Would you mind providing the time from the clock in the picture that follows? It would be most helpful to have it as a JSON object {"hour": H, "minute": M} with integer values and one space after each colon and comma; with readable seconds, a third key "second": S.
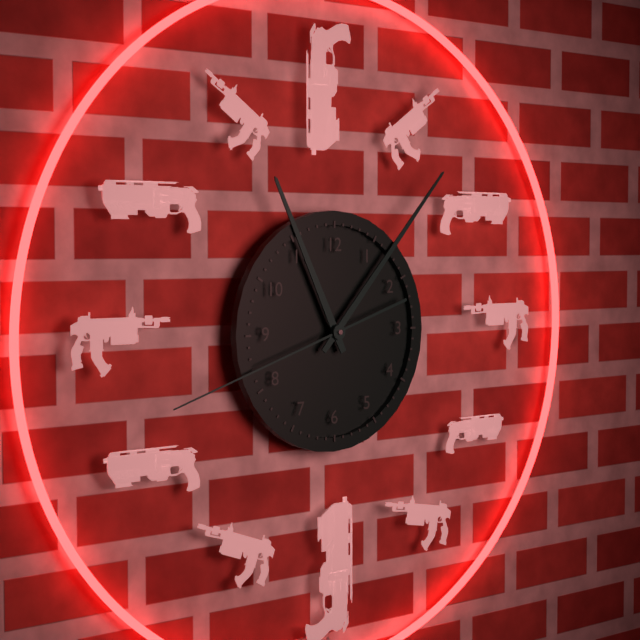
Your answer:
{"hour": 11, "minute": 7, "second": 42}
